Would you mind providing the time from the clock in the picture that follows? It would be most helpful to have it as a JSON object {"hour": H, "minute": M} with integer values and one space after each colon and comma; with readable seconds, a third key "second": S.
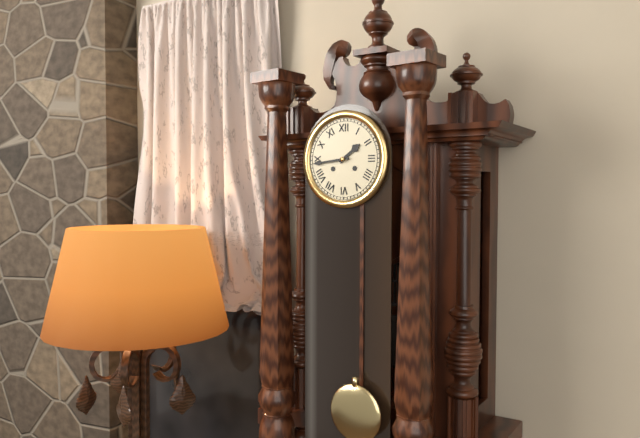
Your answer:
{"hour": 1, "minute": 44}
